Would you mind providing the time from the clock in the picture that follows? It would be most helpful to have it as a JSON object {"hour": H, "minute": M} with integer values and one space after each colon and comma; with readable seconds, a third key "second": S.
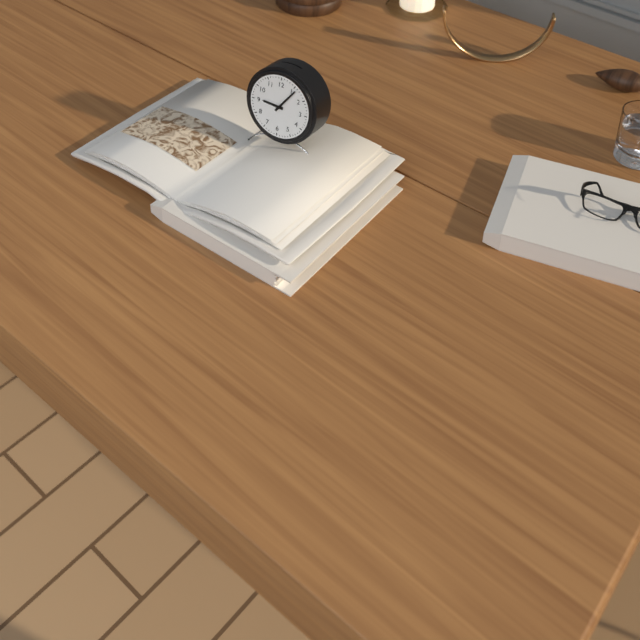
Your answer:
{"hour": 9, "minute": 6}
